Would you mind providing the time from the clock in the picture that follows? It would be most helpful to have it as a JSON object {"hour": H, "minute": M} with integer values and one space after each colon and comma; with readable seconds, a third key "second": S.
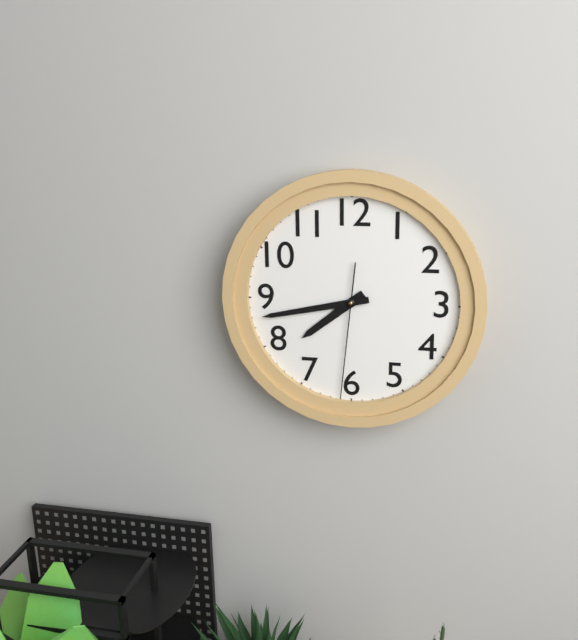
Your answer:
{"hour": 7, "minute": 43, "second": 31}
